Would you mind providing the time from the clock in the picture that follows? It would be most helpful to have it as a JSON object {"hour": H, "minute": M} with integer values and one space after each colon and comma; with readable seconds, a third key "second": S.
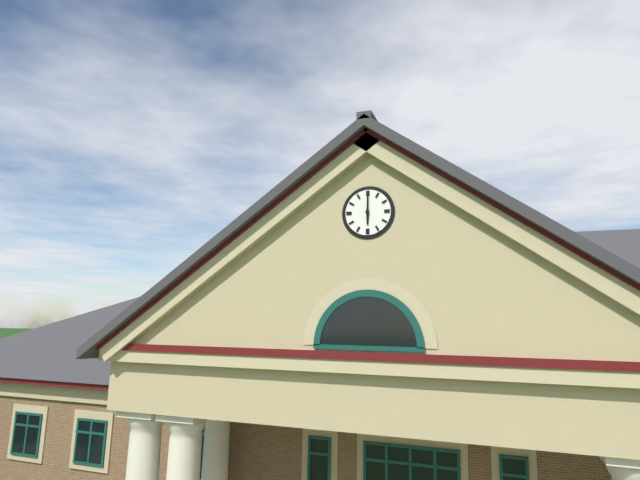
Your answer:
{"hour": 6, "minute": 0}
